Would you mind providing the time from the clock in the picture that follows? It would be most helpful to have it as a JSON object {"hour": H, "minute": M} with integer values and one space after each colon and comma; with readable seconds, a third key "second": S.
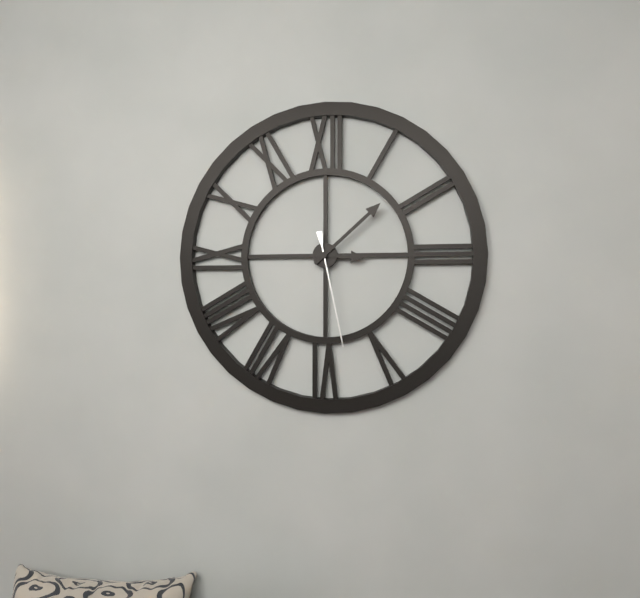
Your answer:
{"hour": 3, "minute": 8, "second": 28}
